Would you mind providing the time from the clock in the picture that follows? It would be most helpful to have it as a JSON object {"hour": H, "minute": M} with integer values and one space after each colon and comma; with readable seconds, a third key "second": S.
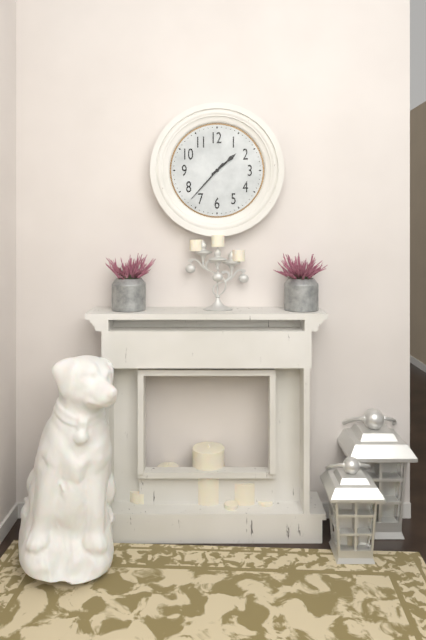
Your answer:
{"hour": 1, "minute": 37}
